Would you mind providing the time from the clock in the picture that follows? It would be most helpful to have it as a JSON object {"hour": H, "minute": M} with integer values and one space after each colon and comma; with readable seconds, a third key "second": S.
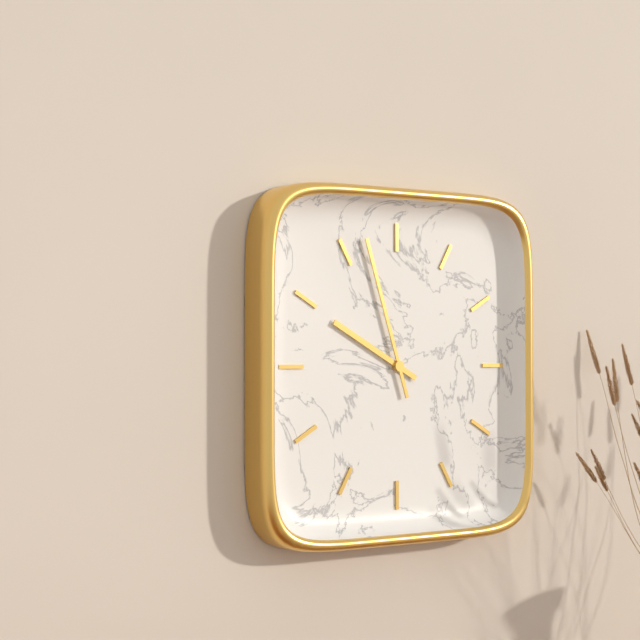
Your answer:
{"hour": 9, "minute": 57}
